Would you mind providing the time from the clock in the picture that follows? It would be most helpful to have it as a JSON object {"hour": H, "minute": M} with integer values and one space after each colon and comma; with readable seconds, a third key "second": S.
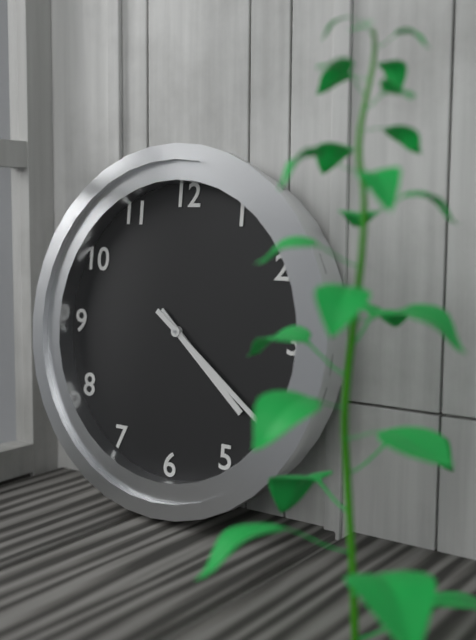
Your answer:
{"hour": 4, "minute": 21}
